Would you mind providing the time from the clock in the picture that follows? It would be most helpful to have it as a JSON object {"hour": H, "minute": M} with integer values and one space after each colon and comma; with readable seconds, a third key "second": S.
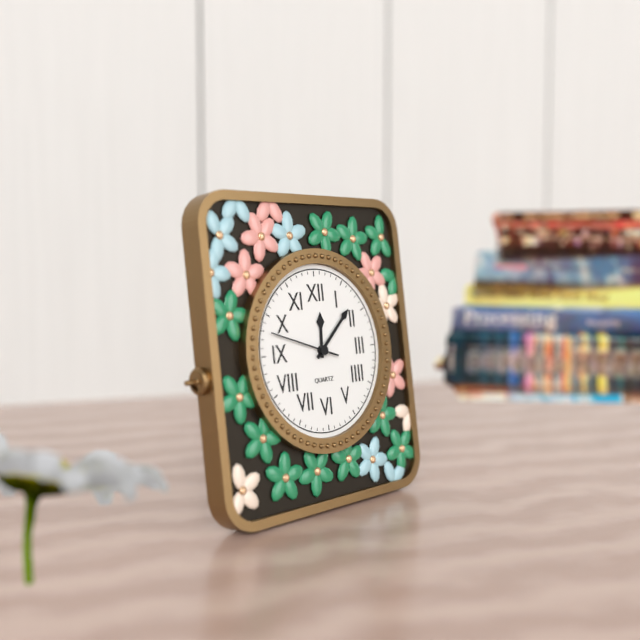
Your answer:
{"hour": 12, "minute": 8, "second": 48}
